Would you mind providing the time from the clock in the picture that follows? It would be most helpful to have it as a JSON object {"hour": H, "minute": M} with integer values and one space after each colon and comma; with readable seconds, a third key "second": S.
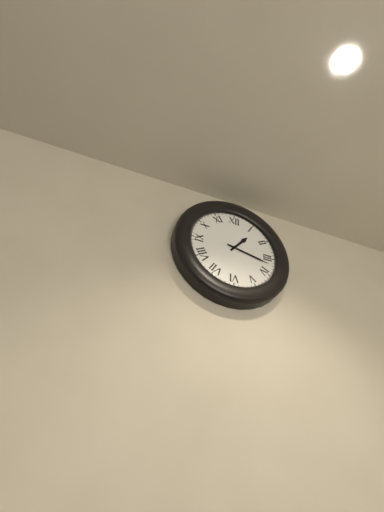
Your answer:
{"hour": 1, "minute": 17}
